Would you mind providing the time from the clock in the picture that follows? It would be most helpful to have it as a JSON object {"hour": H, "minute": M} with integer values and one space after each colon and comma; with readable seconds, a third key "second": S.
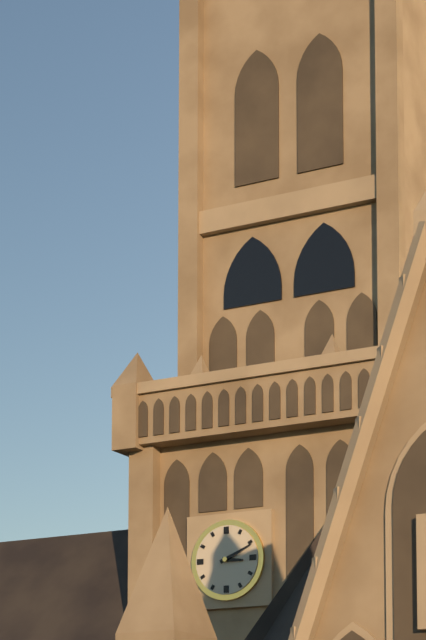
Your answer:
{"hour": 3, "minute": 11}
